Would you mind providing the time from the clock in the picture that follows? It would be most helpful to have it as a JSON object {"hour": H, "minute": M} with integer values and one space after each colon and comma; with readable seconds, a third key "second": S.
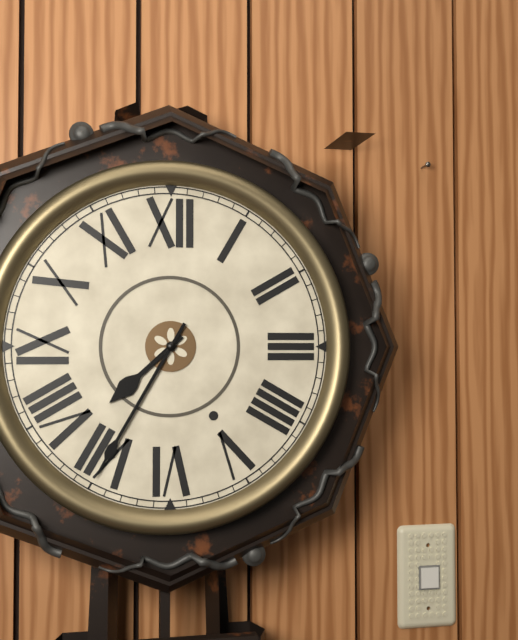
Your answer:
{"hour": 7, "minute": 35}
